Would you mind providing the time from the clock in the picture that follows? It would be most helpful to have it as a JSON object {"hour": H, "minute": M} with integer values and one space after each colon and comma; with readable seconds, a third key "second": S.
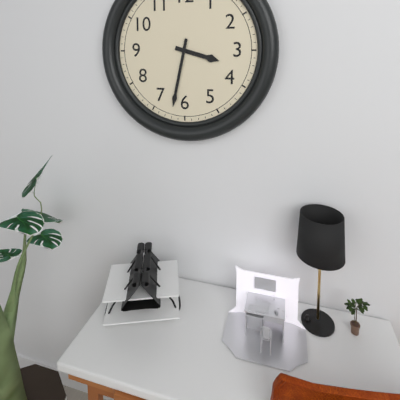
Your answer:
{"hour": 3, "minute": 32}
